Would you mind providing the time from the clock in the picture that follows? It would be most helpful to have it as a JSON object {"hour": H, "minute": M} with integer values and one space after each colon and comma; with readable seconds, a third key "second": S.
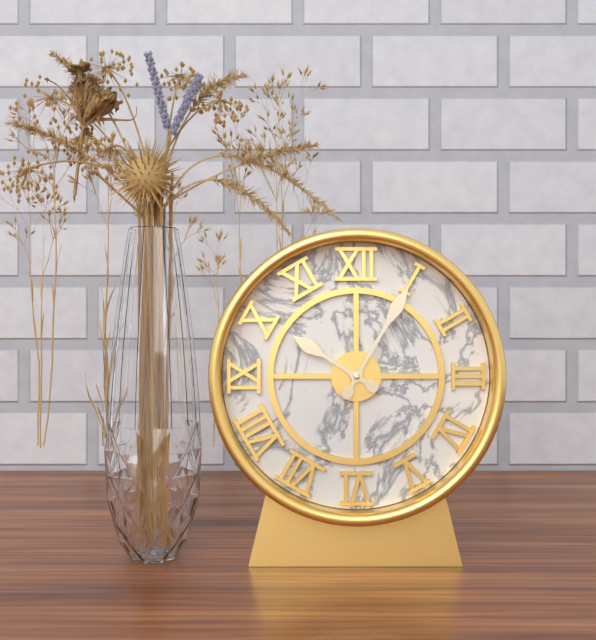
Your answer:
{"hour": 10, "minute": 5}
